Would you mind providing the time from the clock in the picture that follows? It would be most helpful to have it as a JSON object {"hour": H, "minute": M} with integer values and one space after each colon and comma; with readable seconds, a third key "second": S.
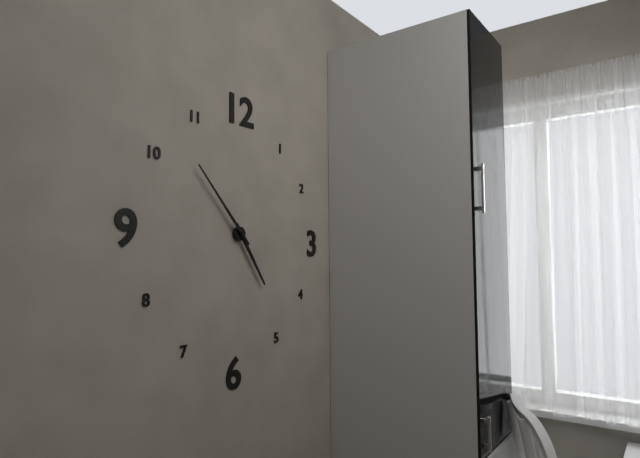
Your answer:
{"hour": 4, "minute": 53}
